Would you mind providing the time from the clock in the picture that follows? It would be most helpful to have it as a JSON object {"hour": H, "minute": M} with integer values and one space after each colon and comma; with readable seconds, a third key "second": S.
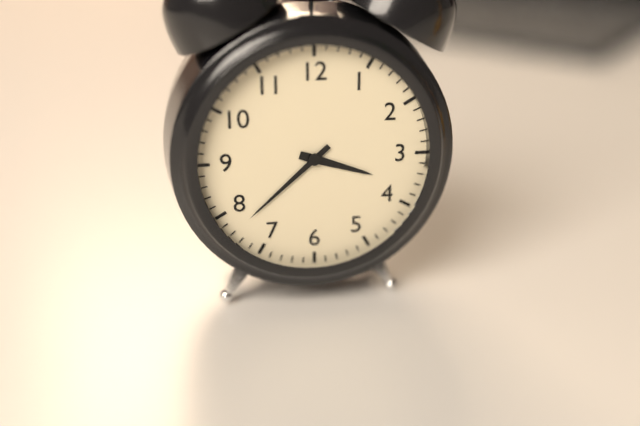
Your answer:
{"hour": 3, "minute": 38}
